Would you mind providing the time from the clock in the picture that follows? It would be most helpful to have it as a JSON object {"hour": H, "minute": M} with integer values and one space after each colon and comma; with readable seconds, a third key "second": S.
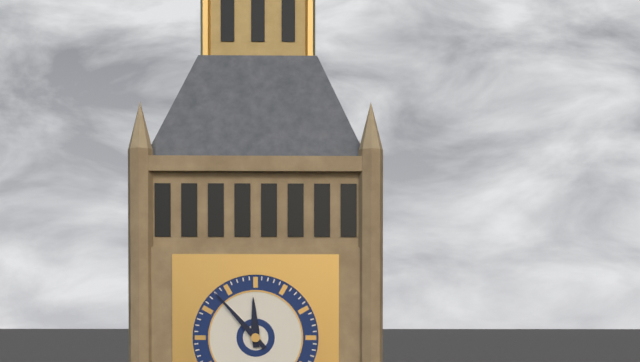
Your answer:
{"hour": 11, "minute": 53}
